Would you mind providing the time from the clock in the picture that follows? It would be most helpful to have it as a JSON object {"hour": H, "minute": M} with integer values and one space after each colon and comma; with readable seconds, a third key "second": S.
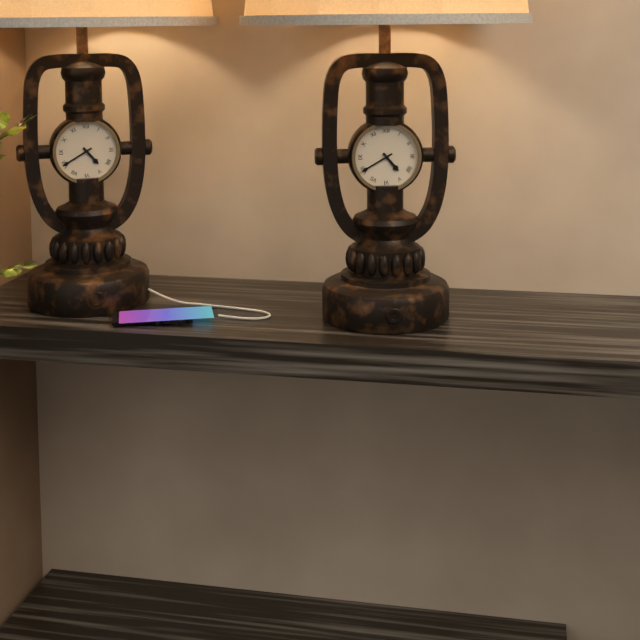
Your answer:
{"hour": 4, "minute": 40}
